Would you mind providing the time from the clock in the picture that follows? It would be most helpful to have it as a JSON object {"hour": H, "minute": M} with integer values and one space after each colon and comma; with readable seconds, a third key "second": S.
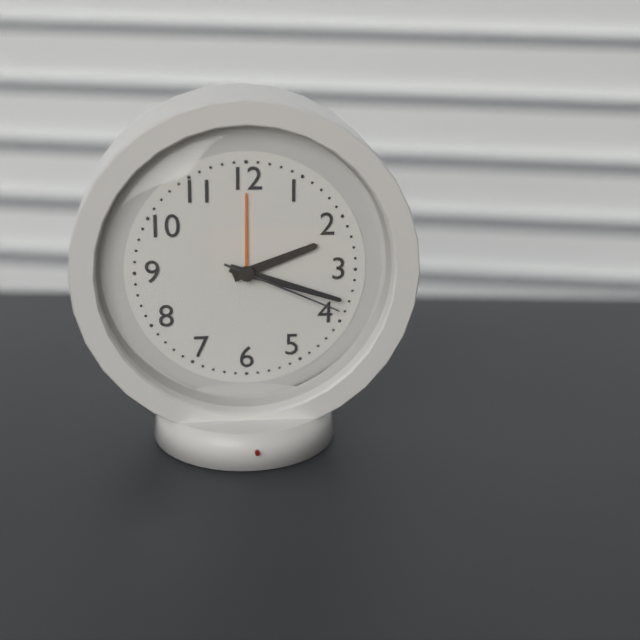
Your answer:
{"hour": 2, "minute": 18, "second": 19}
